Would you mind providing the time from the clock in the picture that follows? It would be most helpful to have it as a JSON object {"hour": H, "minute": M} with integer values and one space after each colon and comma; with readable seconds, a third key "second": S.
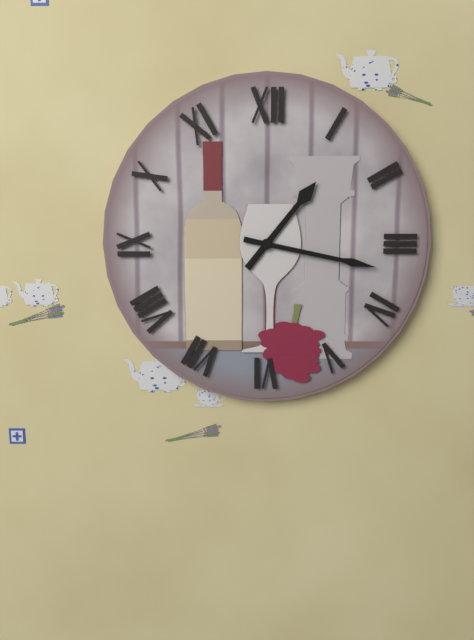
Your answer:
{"hour": 1, "minute": 17}
